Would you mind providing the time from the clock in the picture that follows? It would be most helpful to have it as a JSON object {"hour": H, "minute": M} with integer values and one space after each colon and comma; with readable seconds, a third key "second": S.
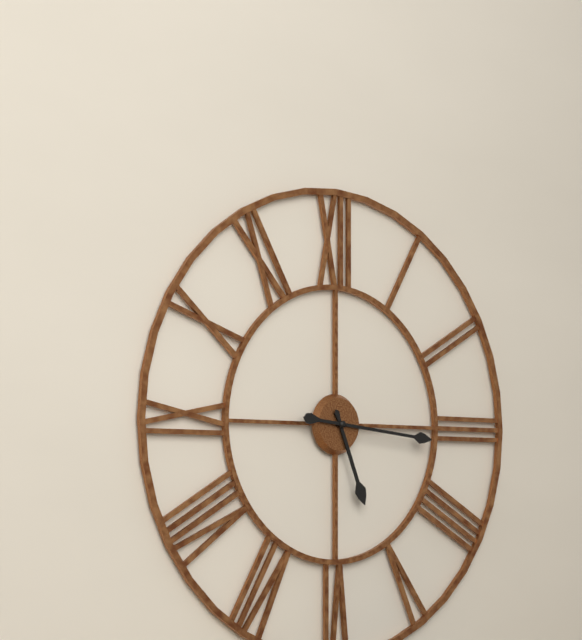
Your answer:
{"hour": 5, "minute": 16}
